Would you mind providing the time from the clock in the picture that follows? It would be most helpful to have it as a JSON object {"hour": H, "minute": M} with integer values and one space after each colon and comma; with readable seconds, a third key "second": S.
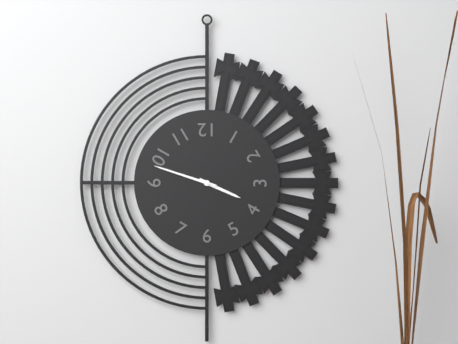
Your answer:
{"hour": 3, "minute": 48}
